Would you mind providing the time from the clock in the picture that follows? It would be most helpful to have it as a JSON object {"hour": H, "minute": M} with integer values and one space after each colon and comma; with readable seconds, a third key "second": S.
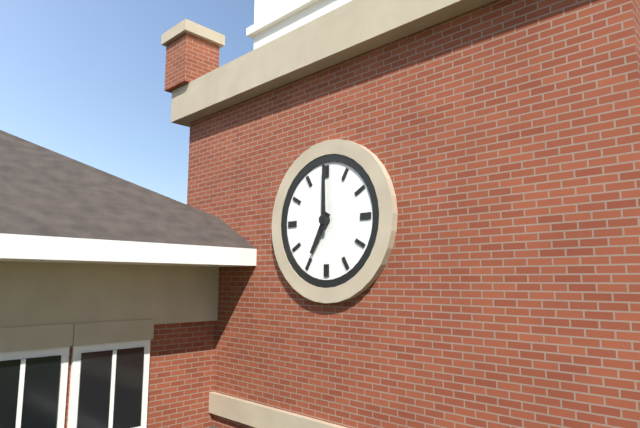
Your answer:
{"hour": 7, "minute": 0}
